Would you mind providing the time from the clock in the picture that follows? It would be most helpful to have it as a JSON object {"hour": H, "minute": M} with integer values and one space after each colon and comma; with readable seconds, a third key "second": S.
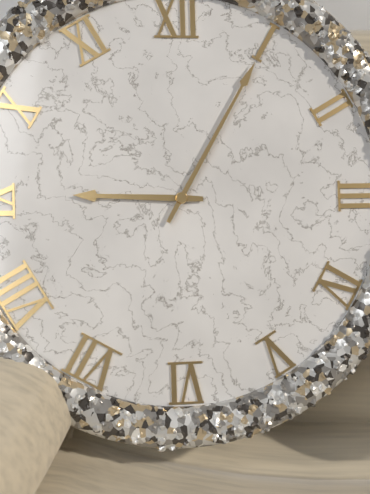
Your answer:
{"hour": 9, "minute": 5}
